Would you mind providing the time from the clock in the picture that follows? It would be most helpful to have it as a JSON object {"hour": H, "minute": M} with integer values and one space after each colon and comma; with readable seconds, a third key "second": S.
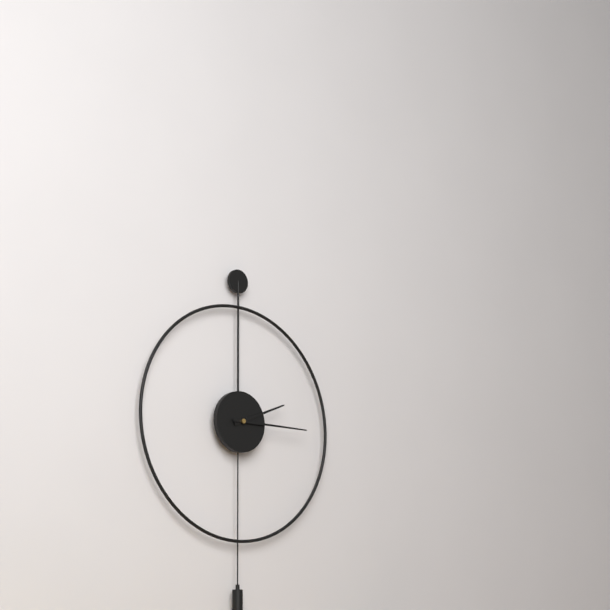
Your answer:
{"hour": 2, "minute": 15}
